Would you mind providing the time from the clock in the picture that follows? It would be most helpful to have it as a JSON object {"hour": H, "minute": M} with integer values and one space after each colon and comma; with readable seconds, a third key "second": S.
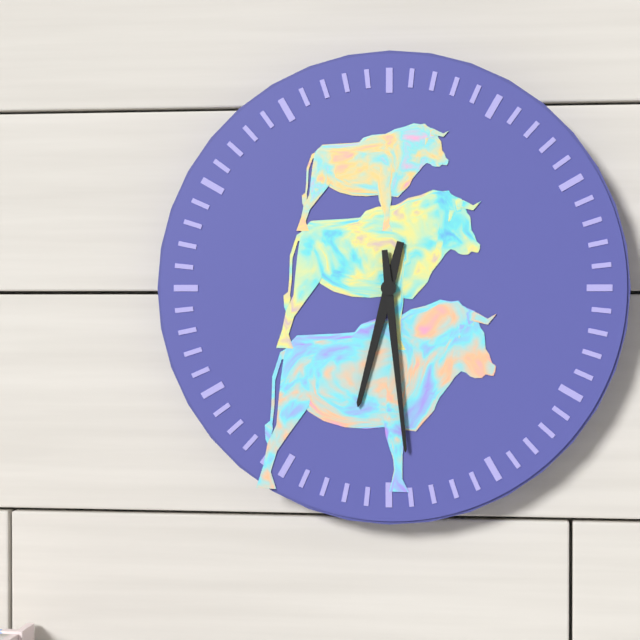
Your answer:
{"hour": 6, "minute": 29}
